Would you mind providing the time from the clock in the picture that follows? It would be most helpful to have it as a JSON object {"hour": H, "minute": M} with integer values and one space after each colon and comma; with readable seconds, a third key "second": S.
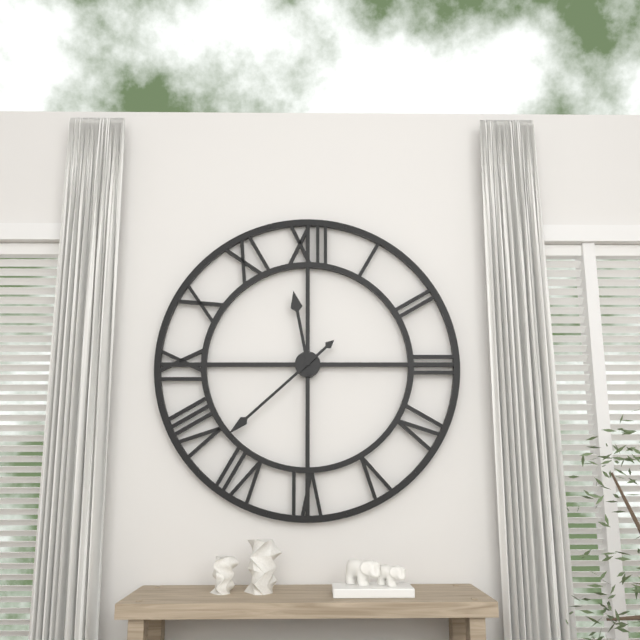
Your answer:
{"hour": 11, "minute": 38}
